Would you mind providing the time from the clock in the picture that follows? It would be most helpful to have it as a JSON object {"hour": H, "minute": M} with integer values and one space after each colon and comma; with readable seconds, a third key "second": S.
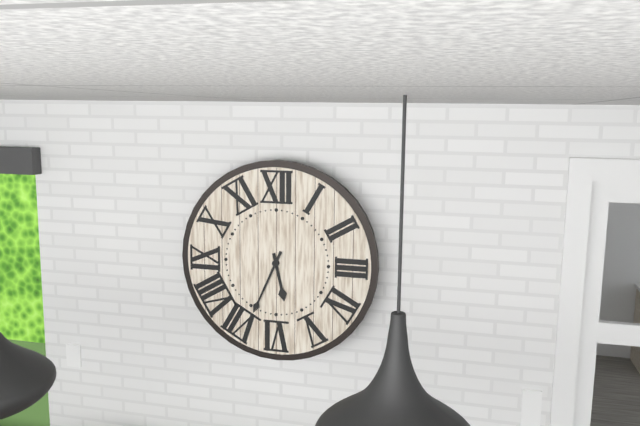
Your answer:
{"hour": 5, "minute": 34}
